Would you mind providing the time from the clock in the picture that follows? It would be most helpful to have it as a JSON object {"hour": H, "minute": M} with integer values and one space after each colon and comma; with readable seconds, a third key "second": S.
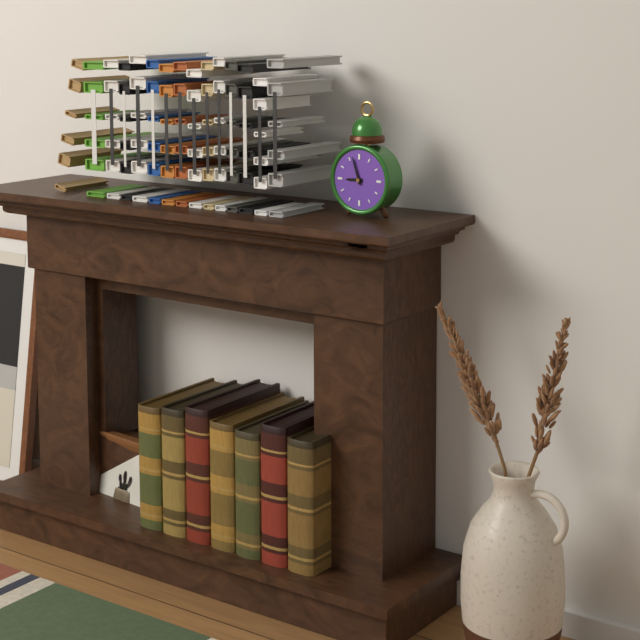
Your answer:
{"hour": 8, "minute": 57}
